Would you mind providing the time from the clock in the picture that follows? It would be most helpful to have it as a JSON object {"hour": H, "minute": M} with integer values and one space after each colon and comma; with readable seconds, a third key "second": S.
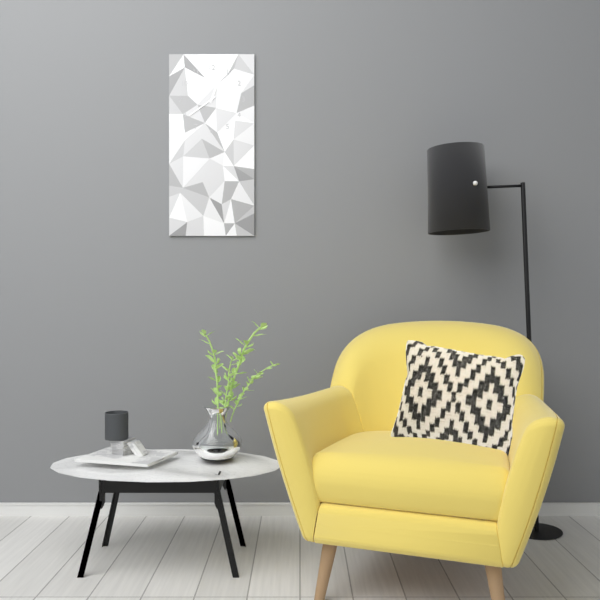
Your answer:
{"hour": 12, "minute": 39}
